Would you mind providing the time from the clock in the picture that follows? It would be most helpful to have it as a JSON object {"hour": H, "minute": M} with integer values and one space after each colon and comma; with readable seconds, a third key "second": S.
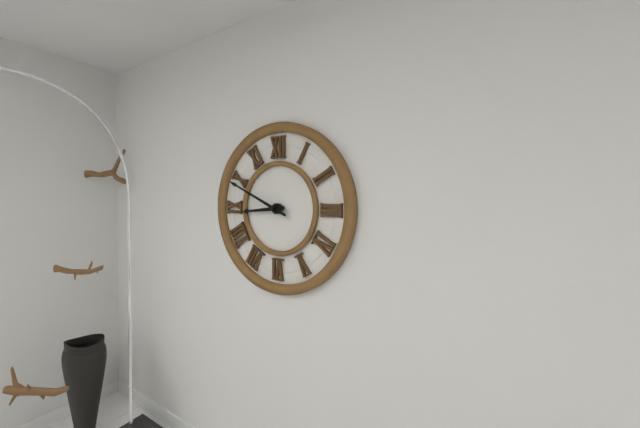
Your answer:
{"hour": 8, "minute": 49}
